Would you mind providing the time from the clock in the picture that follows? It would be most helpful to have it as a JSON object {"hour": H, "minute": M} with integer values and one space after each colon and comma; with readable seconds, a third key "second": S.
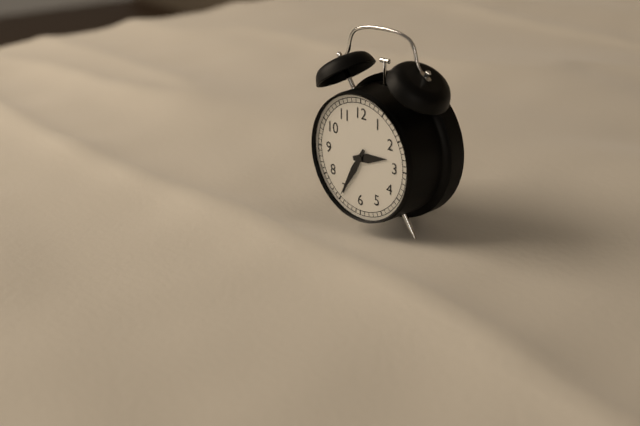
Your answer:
{"hour": 2, "minute": 35}
